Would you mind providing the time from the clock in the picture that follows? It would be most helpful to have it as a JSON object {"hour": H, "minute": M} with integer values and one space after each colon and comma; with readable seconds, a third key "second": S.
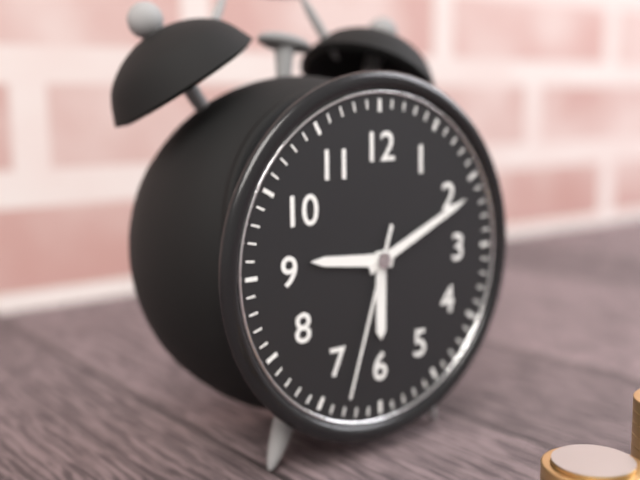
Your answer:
{"hour": 9, "minute": 11, "second": 33}
